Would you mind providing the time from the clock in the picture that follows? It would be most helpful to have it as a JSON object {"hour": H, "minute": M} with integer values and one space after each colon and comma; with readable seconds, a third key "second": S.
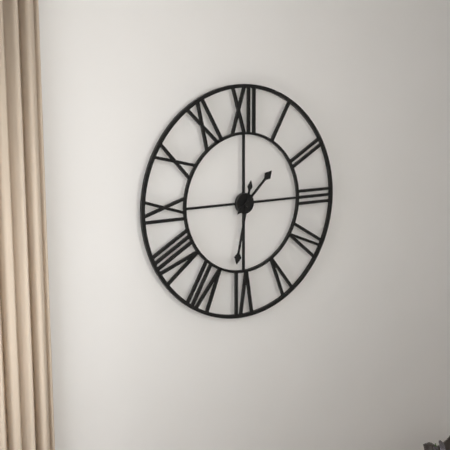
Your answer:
{"hour": 1, "minute": 32}
